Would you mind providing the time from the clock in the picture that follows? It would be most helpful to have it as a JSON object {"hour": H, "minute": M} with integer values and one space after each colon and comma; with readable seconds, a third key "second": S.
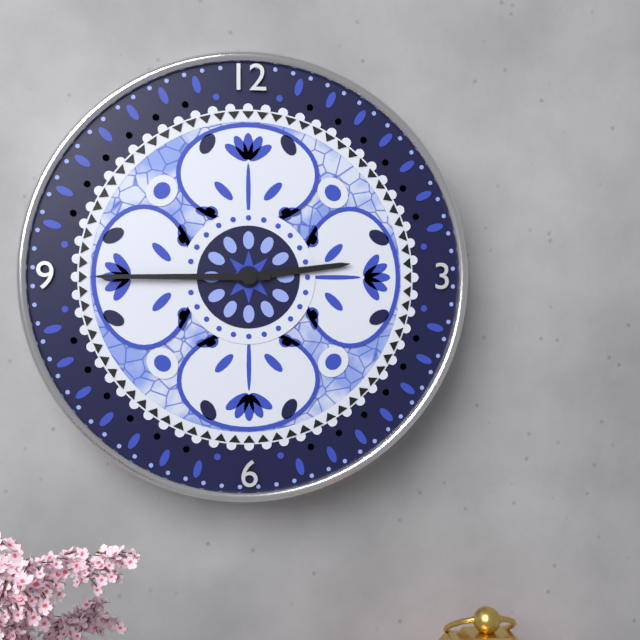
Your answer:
{"hour": 2, "minute": 45}
